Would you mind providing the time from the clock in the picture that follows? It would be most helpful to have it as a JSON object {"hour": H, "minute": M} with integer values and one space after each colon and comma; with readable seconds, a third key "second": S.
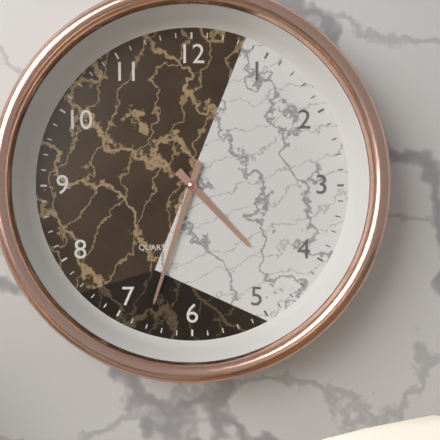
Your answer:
{"hour": 4, "minute": 33}
